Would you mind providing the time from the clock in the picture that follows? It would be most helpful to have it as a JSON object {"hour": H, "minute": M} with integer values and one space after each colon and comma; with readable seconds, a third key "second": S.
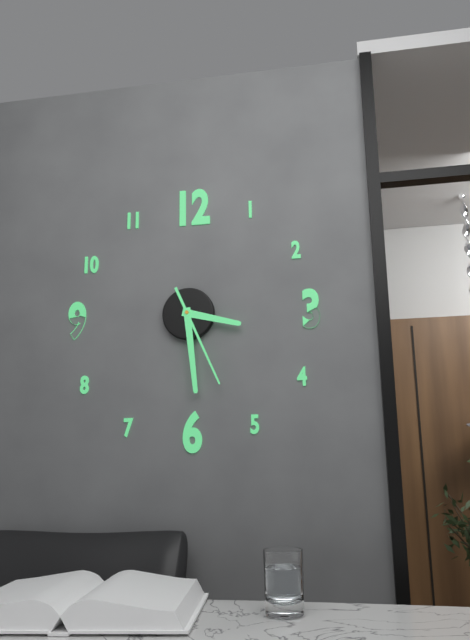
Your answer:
{"hour": 3, "minute": 29, "second": 26}
